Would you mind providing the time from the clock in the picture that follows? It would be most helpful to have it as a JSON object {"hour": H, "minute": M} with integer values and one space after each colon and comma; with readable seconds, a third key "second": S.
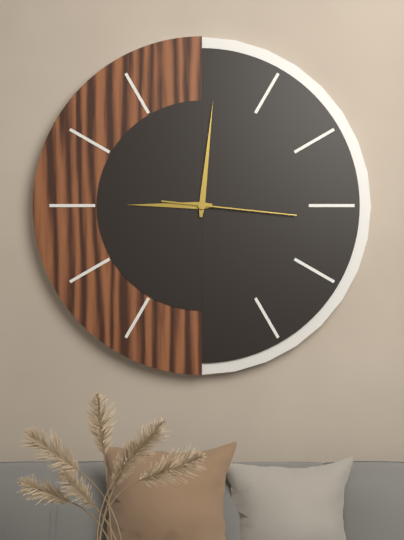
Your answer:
{"hour": 9, "minute": 1, "second": 16}
